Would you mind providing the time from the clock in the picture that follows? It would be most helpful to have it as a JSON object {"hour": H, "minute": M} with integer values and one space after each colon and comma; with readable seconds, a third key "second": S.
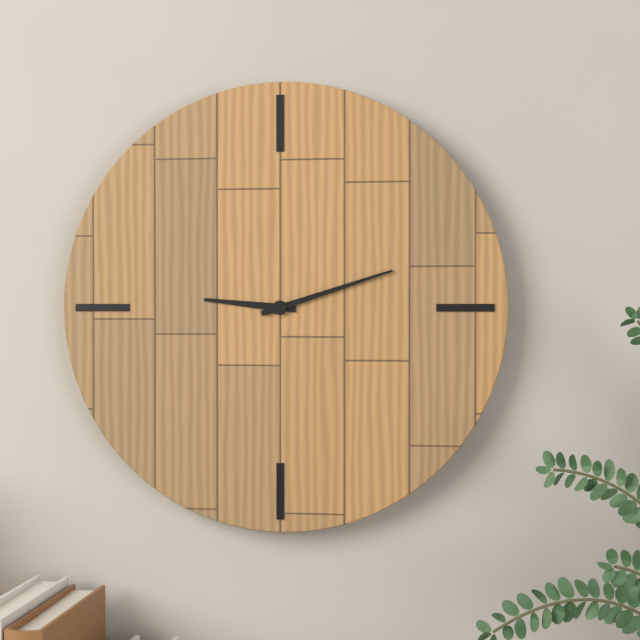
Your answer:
{"hour": 9, "minute": 12}
